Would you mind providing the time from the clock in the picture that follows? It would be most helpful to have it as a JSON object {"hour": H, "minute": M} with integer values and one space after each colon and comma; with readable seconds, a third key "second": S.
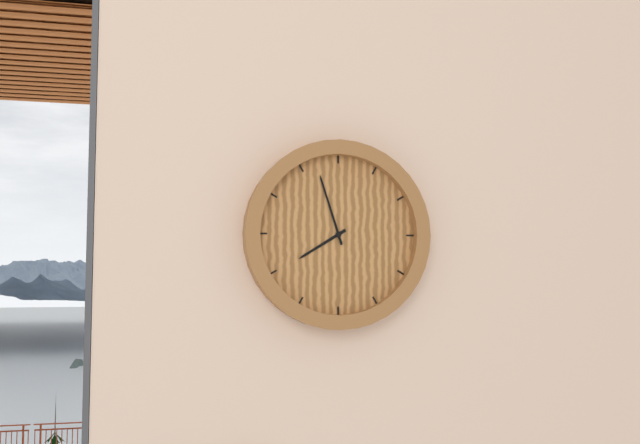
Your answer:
{"hour": 7, "minute": 57}
